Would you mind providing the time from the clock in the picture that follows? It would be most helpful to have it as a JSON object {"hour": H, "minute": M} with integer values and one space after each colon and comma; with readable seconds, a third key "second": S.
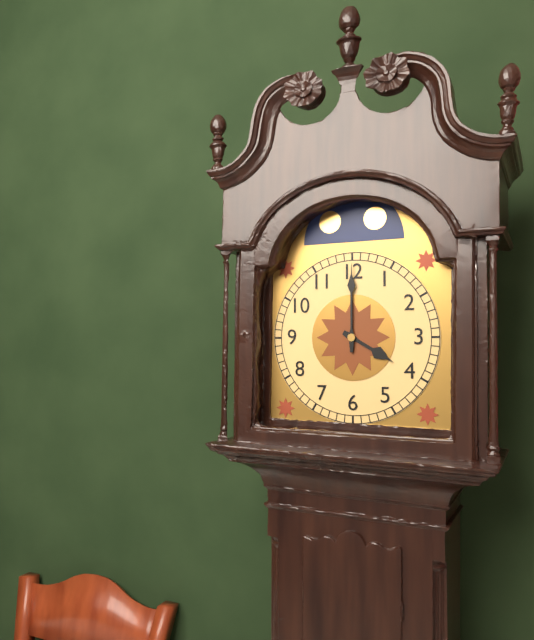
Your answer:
{"hour": 4, "minute": 0}
